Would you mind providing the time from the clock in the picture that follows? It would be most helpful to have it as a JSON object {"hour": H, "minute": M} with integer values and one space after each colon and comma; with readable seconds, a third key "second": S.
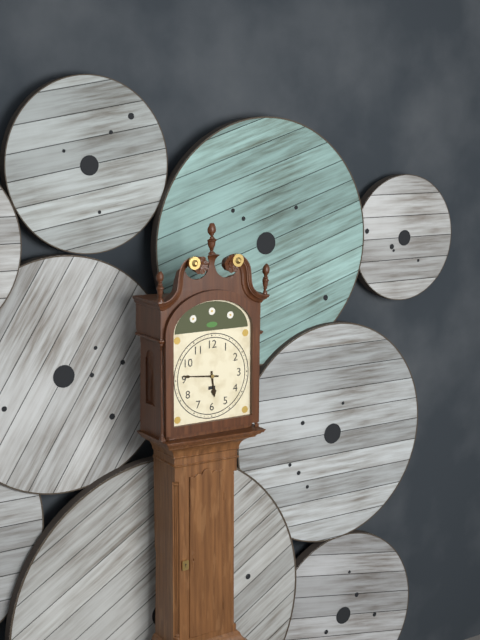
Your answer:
{"hour": 5, "minute": 46}
